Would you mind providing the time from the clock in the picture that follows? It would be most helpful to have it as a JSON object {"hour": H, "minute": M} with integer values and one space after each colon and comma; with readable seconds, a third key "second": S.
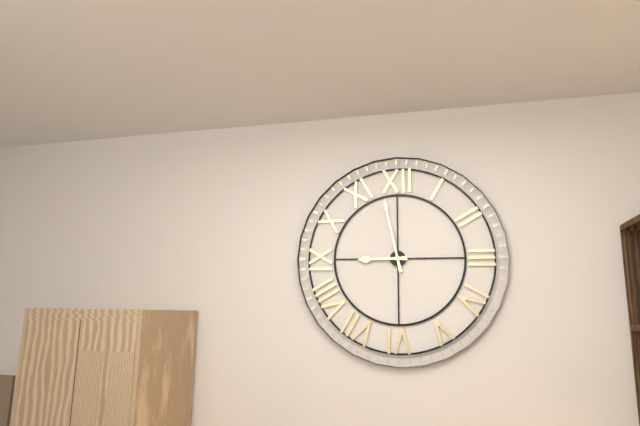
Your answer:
{"hour": 8, "minute": 58}
